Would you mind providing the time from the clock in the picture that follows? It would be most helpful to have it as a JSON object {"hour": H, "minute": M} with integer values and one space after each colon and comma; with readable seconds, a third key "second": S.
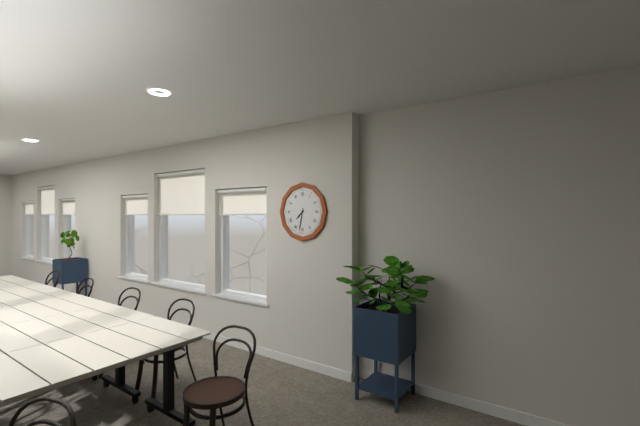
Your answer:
{"hour": 7, "minute": 32}
